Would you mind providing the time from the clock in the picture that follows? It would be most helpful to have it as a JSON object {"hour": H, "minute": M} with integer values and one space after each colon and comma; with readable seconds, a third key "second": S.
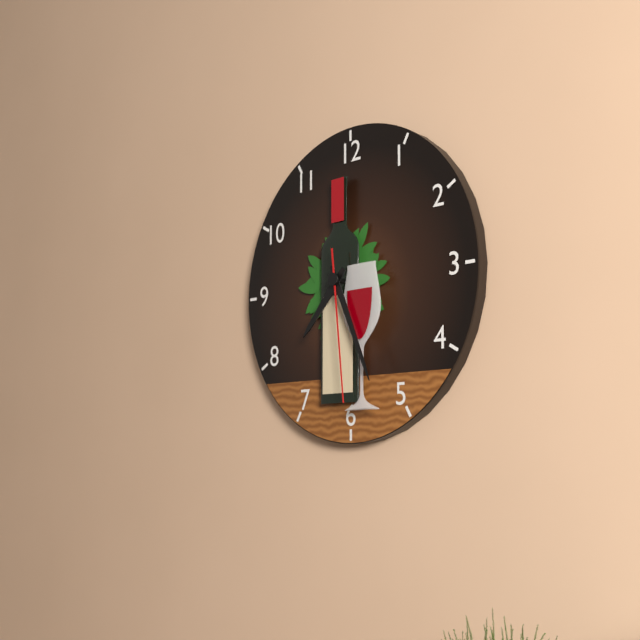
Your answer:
{"hour": 7, "minute": 26, "second": 29}
